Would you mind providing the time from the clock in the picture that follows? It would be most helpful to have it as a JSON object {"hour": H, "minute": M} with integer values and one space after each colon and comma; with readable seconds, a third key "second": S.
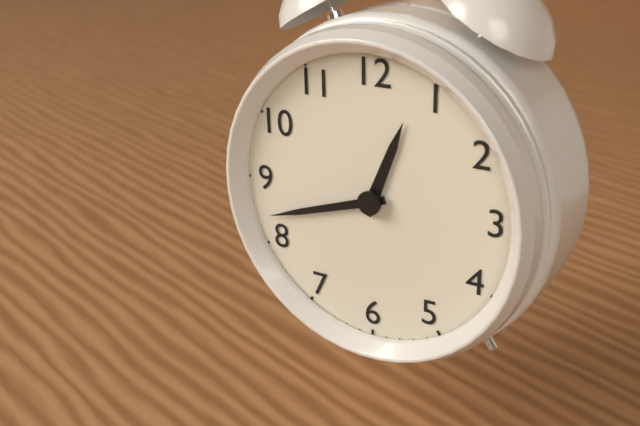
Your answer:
{"hour": 12, "minute": 42}
